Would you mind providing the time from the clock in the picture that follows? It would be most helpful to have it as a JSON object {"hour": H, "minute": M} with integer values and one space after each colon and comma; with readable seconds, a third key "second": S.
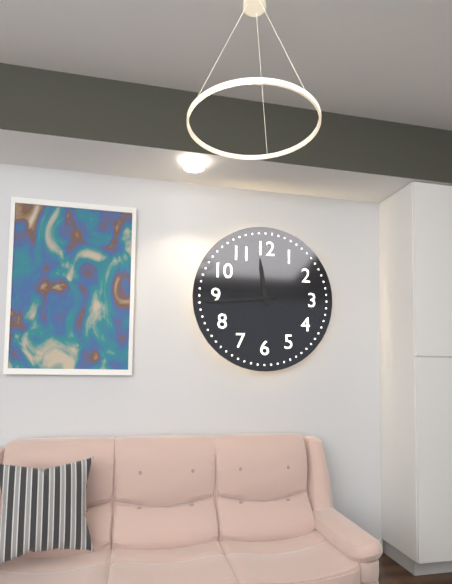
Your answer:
{"hour": 11, "minute": 44}
